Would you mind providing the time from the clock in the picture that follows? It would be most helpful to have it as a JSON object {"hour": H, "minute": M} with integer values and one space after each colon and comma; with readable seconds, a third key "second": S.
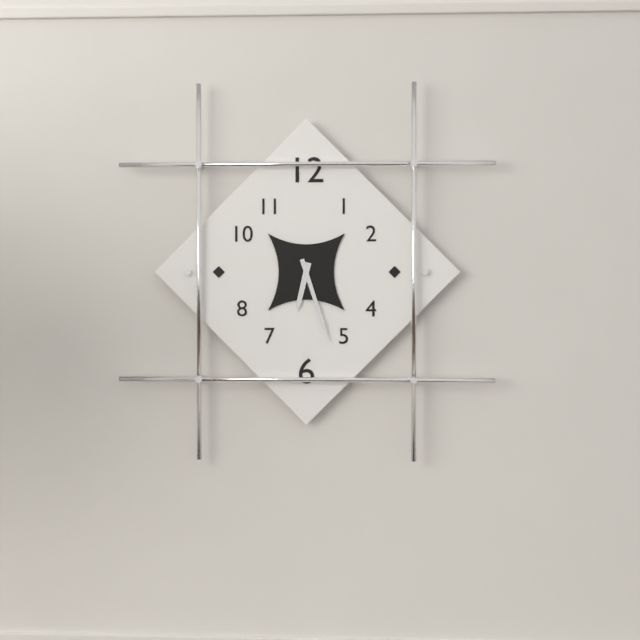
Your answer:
{"hour": 6, "minute": 27}
